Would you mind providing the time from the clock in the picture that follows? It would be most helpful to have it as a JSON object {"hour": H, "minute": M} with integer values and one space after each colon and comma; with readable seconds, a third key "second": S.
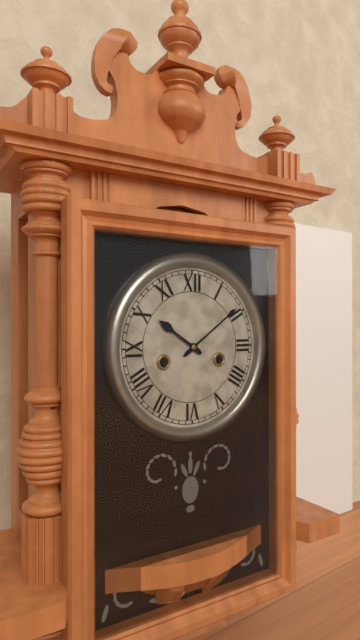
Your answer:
{"hour": 10, "minute": 9}
